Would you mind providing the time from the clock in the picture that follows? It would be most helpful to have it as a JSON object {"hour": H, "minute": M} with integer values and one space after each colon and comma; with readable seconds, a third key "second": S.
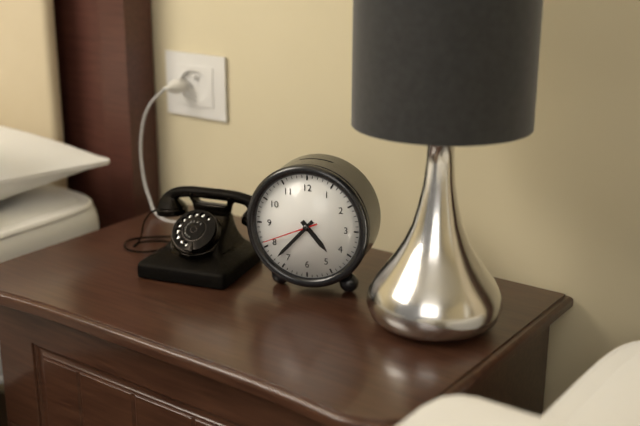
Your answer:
{"hour": 4, "minute": 37, "second": 41}
